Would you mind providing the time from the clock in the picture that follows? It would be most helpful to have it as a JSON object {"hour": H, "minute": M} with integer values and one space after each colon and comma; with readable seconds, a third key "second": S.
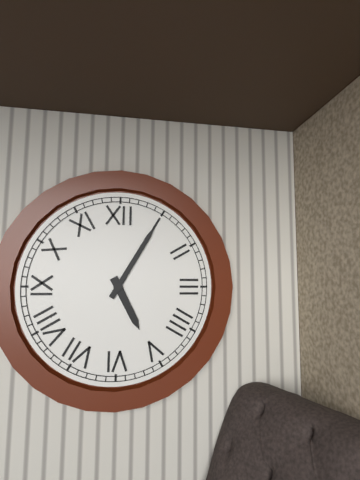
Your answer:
{"hour": 5, "minute": 5}
